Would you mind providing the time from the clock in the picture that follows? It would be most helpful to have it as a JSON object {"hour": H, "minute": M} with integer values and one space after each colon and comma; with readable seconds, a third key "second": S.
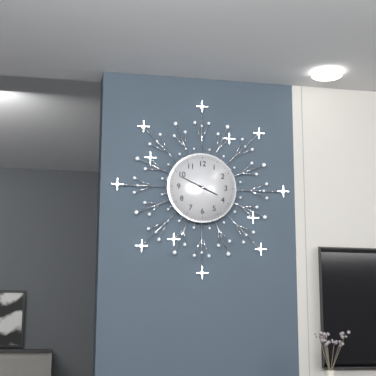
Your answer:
{"hour": 3, "minute": 49}
